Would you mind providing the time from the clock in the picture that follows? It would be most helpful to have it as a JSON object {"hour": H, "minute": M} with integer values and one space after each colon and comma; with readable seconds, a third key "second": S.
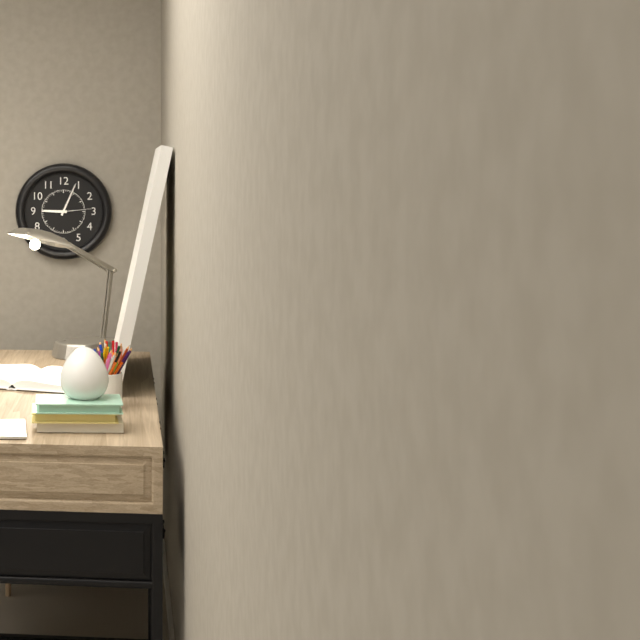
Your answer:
{"hour": 9, "minute": 4}
